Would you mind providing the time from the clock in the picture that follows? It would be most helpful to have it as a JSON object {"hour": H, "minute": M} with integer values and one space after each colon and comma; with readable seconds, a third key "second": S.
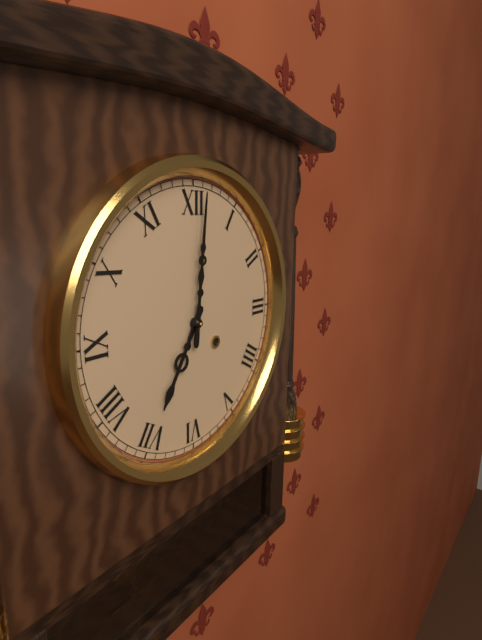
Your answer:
{"hour": 7, "minute": 1}
